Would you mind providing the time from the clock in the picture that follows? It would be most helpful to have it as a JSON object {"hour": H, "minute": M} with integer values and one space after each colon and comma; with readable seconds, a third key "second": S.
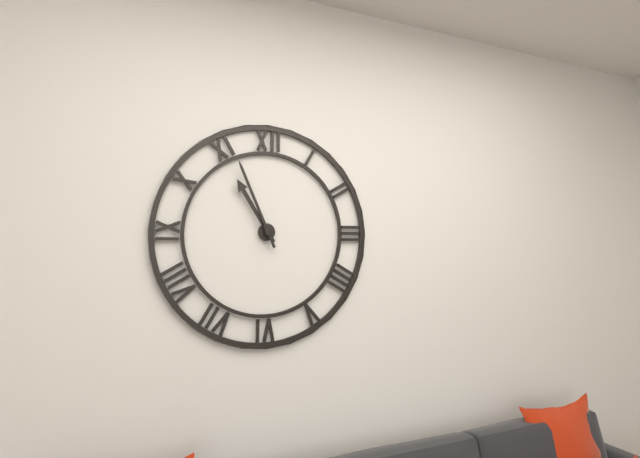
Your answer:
{"hour": 10, "minute": 56}
